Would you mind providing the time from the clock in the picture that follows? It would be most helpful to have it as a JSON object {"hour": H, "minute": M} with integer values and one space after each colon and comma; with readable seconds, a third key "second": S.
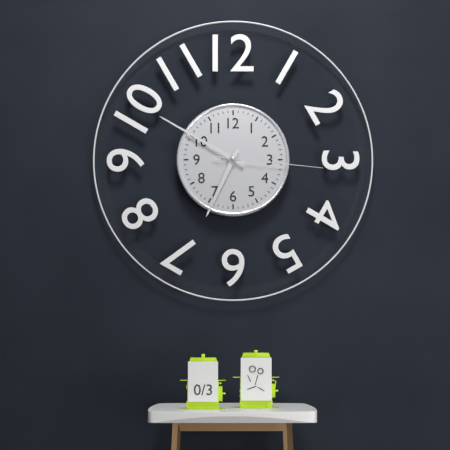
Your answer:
{"hour": 6, "minute": 50, "second": 16}
